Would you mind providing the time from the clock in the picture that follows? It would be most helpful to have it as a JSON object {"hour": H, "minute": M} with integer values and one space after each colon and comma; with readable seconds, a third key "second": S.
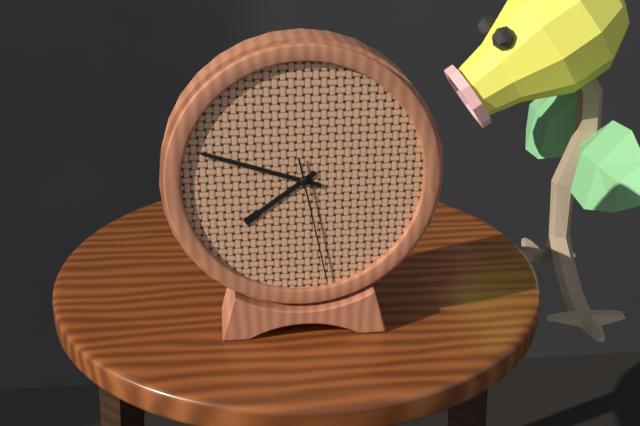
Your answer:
{"hour": 7, "minute": 48, "second": 28}
